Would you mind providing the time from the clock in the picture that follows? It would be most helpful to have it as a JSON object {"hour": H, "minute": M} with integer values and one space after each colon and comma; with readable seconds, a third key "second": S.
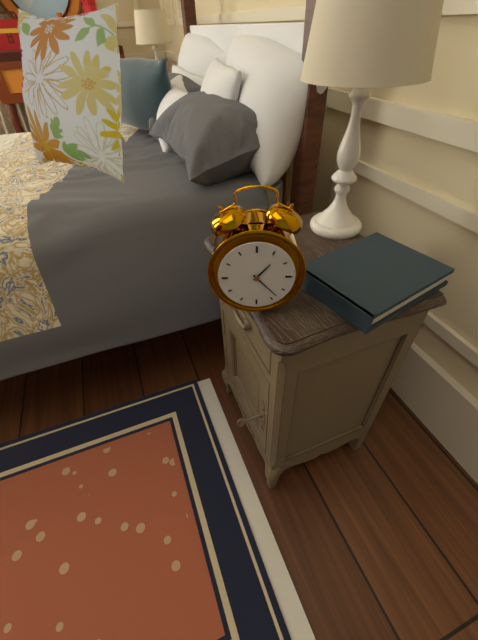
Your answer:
{"hour": 1, "minute": 23}
